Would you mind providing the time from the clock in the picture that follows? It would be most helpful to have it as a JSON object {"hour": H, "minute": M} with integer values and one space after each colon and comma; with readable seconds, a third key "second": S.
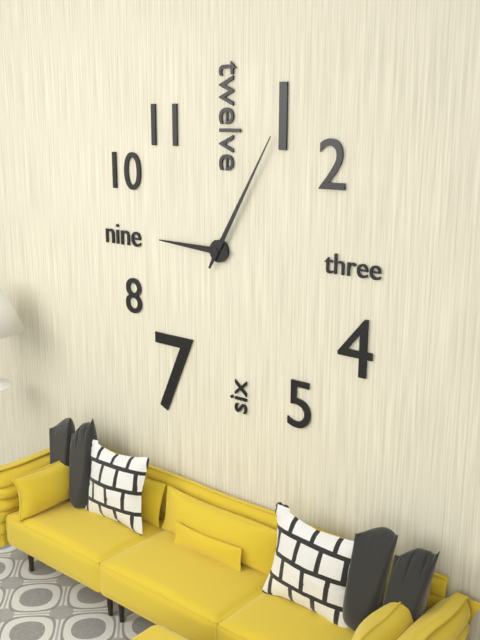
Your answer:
{"hour": 9, "minute": 5}
